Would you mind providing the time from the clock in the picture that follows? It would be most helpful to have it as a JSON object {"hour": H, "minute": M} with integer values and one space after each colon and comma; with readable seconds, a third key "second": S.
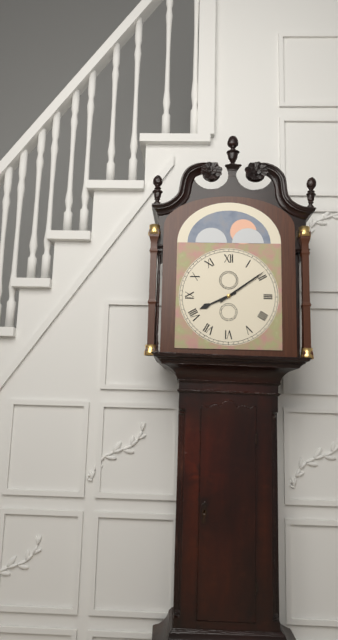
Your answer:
{"hour": 8, "minute": 9}
